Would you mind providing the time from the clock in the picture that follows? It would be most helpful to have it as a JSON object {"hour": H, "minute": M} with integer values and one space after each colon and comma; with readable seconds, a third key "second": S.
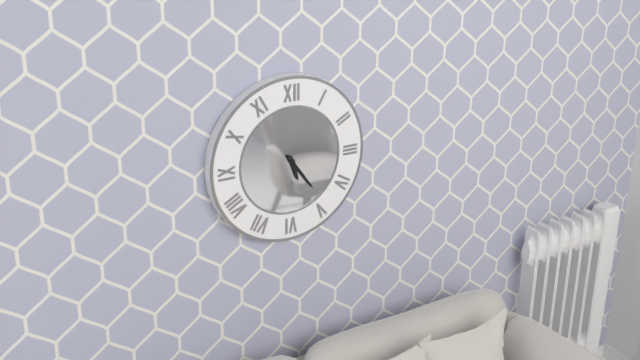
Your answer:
{"hour": 5, "minute": 24}
